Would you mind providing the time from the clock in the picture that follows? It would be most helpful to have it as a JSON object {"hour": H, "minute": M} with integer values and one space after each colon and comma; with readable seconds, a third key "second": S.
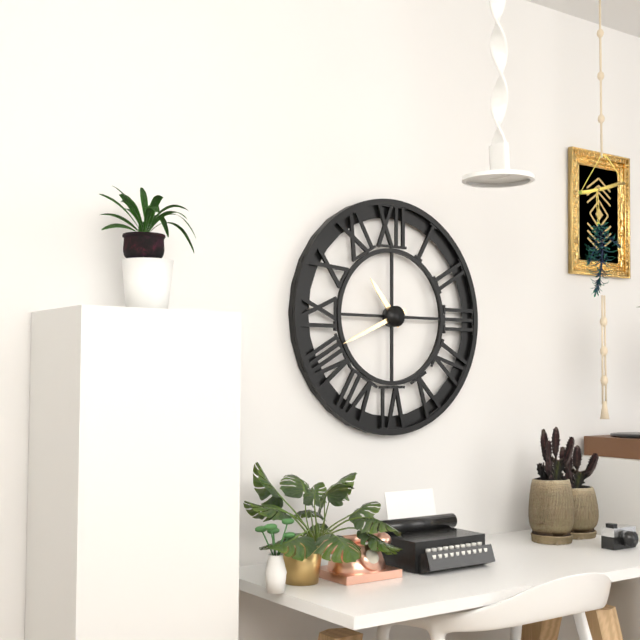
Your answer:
{"hour": 10, "minute": 41}
